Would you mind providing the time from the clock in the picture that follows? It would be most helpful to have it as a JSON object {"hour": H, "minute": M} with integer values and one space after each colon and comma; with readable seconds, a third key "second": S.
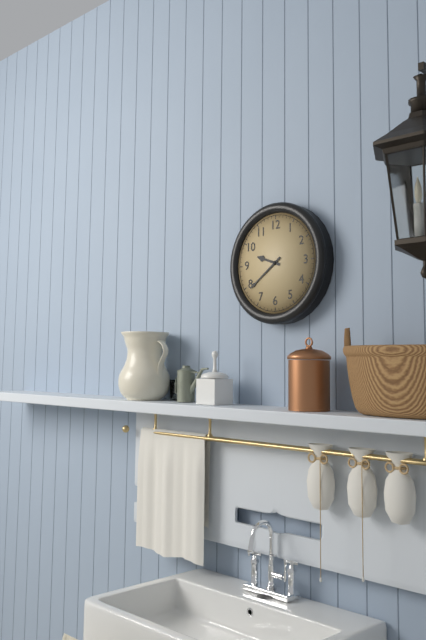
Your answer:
{"hour": 9, "minute": 39}
